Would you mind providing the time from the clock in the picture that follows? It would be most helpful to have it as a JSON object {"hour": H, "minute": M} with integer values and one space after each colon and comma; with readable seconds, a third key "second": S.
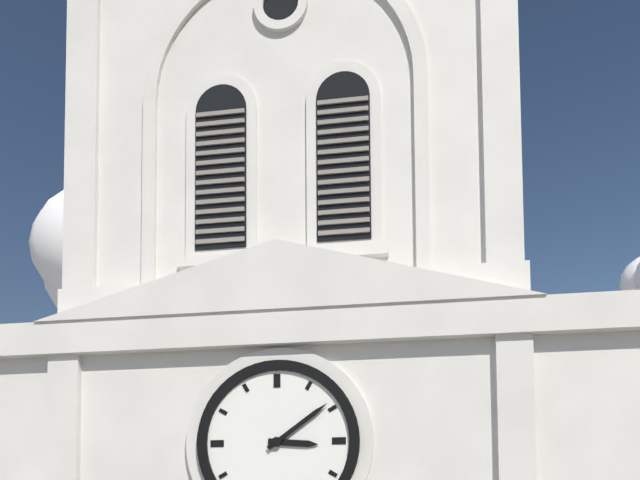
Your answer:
{"hour": 3, "minute": 9}
